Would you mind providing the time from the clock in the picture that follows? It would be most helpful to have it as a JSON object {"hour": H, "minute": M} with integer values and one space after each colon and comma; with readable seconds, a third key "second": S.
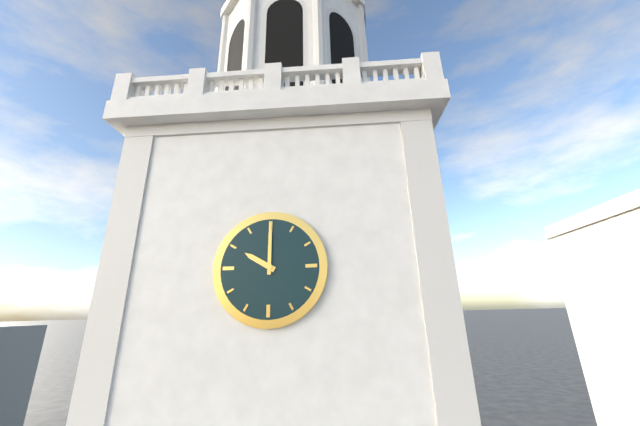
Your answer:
{"hour": 10, "minute": 0}
